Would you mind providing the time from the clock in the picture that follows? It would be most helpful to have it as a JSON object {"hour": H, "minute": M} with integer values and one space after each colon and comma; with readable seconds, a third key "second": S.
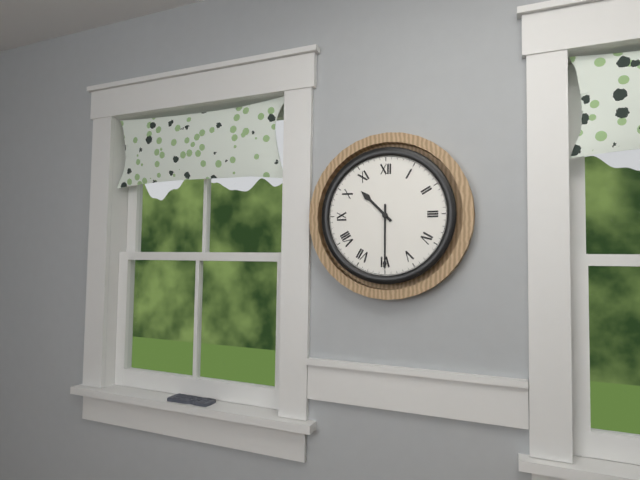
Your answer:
{"hour": 10, "minute": 30}
